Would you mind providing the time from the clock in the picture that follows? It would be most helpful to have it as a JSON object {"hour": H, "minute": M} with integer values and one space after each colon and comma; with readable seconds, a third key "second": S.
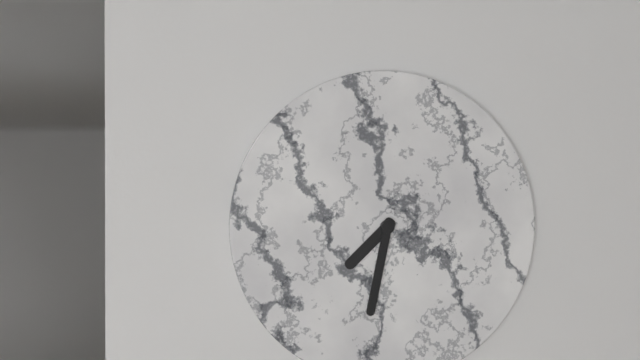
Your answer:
{"hour": 7, "minute": 32}
